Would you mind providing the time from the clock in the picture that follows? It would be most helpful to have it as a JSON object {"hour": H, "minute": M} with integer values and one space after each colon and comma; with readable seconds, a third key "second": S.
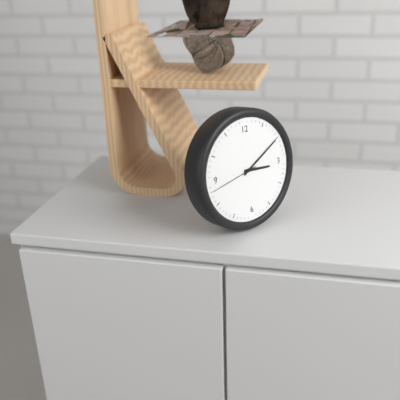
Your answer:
{"hour": 3, "minute": 10, "second": 43}
